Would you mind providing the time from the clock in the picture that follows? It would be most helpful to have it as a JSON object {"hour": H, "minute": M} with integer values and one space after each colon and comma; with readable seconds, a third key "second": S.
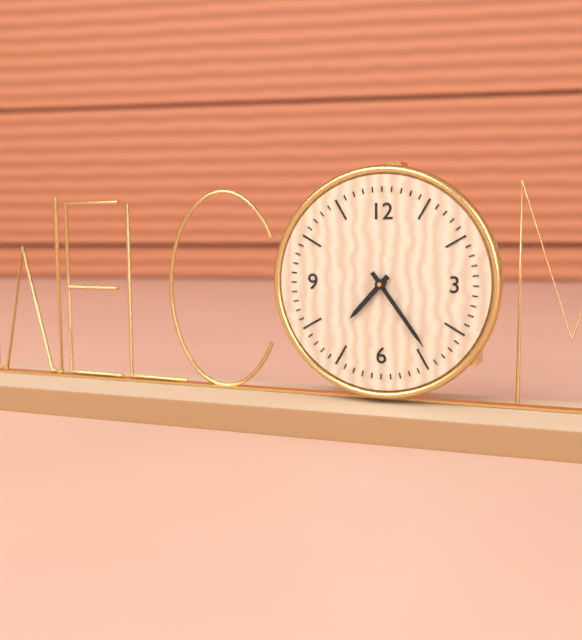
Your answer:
{"hour": 7, "minute": 24}
